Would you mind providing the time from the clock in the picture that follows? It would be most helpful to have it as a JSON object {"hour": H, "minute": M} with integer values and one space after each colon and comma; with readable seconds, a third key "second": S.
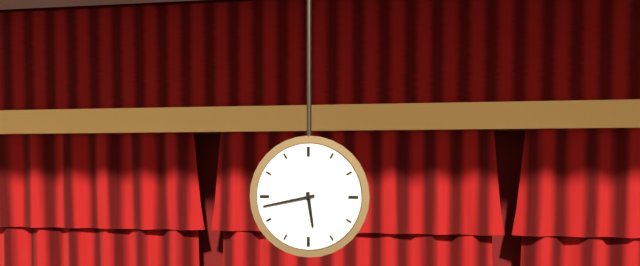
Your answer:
{"hour": 5, "minute": 43}
